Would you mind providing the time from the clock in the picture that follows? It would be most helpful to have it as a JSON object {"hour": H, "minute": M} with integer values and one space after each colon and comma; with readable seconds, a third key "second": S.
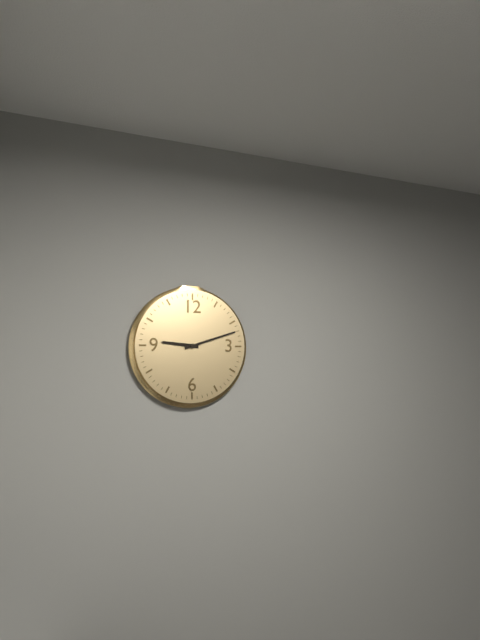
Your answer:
{"hour": 9, "minute": 12}
